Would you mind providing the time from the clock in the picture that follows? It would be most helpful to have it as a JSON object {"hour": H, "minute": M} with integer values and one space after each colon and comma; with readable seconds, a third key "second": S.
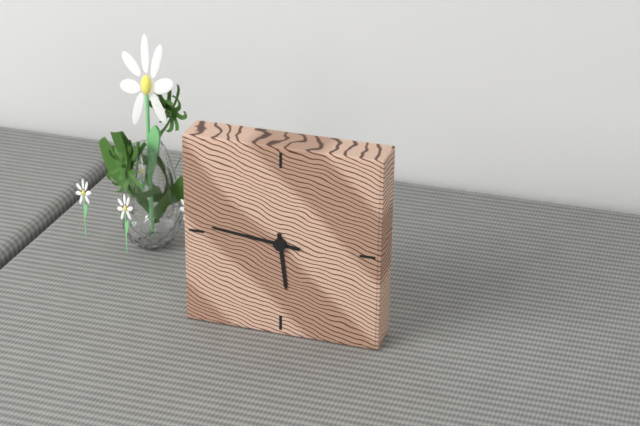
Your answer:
{"hour": 5, "minute": 46}
